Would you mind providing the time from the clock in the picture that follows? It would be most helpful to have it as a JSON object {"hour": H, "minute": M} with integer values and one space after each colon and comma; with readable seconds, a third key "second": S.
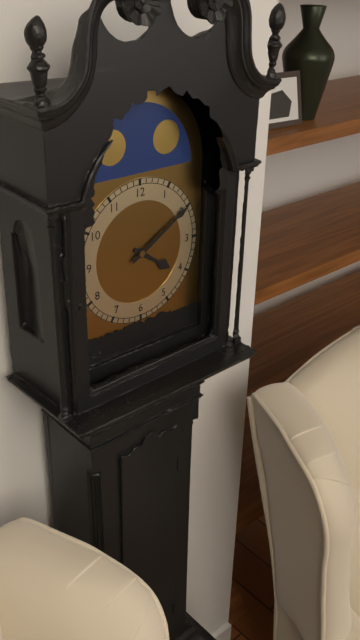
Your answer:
{"hour": 4, "minute": 10}
